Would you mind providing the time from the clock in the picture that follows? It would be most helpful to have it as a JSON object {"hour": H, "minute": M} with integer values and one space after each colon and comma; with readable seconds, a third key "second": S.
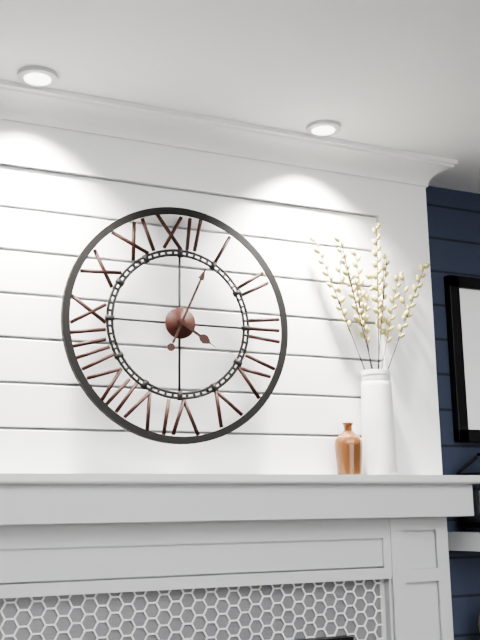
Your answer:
{"hour": 4, "minute": 4}
